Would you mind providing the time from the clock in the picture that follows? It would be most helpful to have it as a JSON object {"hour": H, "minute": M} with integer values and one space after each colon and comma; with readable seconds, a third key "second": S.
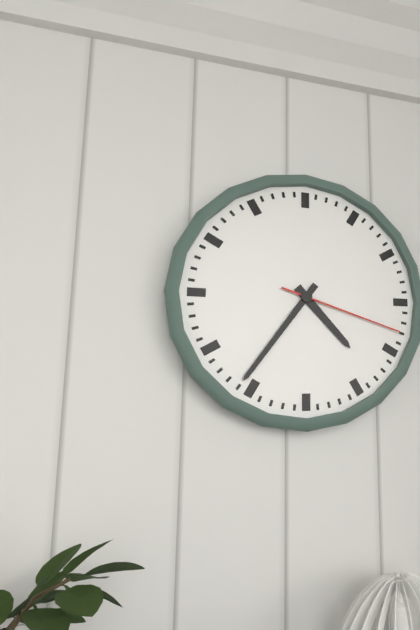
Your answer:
{"hour": 4, "minute": 36, "second": 18}
